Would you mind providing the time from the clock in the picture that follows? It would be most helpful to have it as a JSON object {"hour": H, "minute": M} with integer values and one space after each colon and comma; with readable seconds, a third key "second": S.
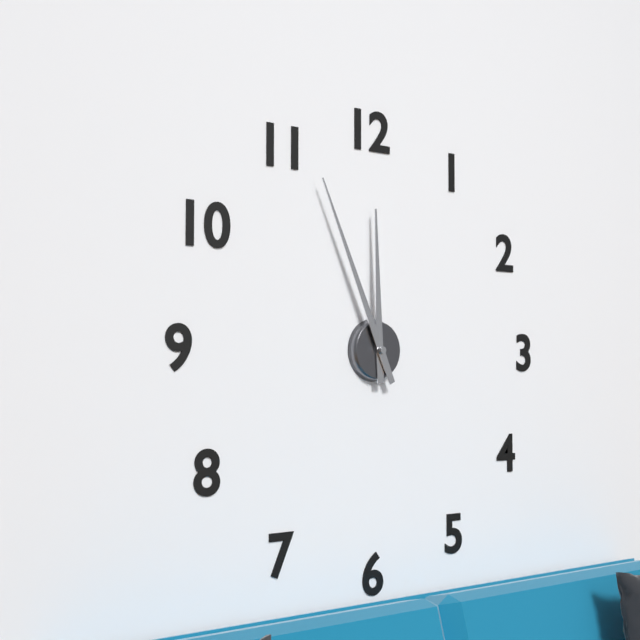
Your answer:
{"hour": 11, "minute": 56}
